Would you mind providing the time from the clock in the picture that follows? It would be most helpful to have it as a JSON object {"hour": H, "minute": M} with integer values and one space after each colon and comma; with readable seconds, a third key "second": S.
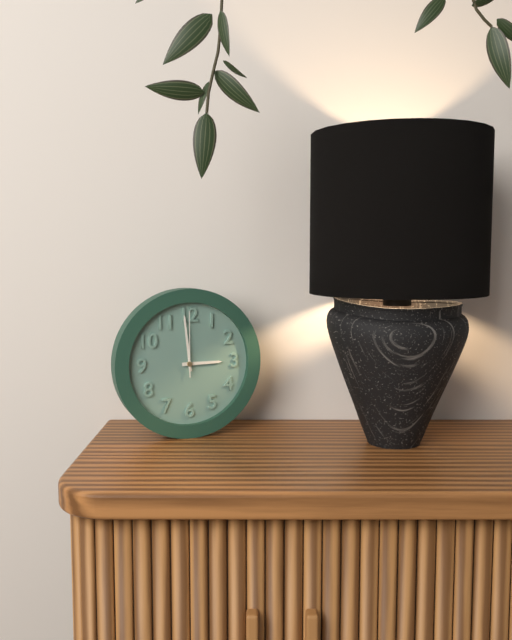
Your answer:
{"hour": 2, "minute": 59, "second": 0}
